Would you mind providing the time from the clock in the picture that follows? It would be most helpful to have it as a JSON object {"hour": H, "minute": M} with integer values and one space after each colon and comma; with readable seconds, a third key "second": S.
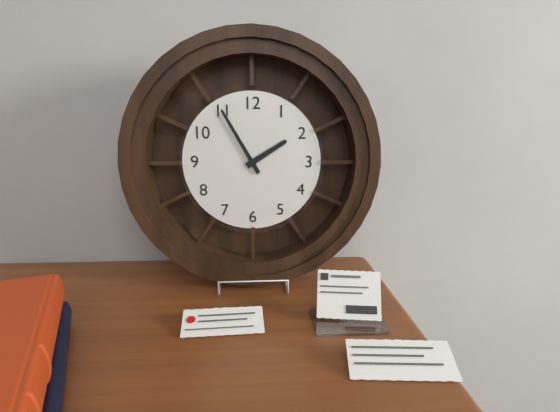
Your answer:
{"hour": 1, "minute": 55}
